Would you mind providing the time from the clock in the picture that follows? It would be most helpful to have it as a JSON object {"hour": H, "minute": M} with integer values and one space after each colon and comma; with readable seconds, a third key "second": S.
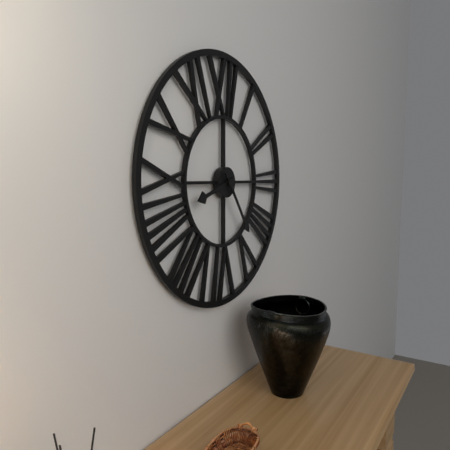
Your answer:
{"hour": 8, "minute": 24}
